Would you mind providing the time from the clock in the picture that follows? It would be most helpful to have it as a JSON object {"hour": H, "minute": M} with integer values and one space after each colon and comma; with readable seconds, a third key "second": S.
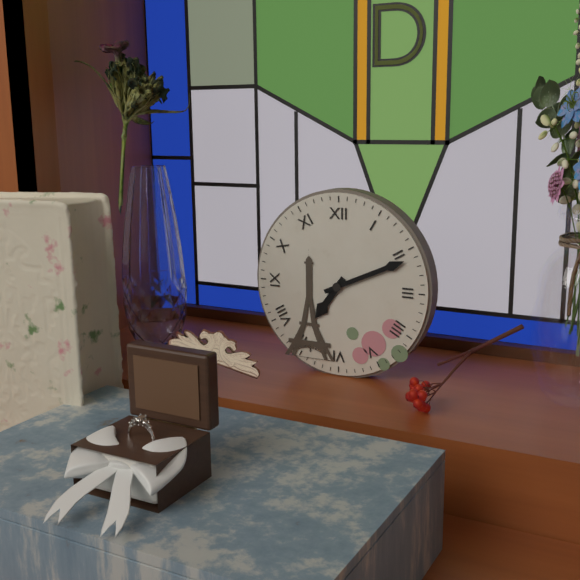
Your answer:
{"hour": 7, "minute": 11}
